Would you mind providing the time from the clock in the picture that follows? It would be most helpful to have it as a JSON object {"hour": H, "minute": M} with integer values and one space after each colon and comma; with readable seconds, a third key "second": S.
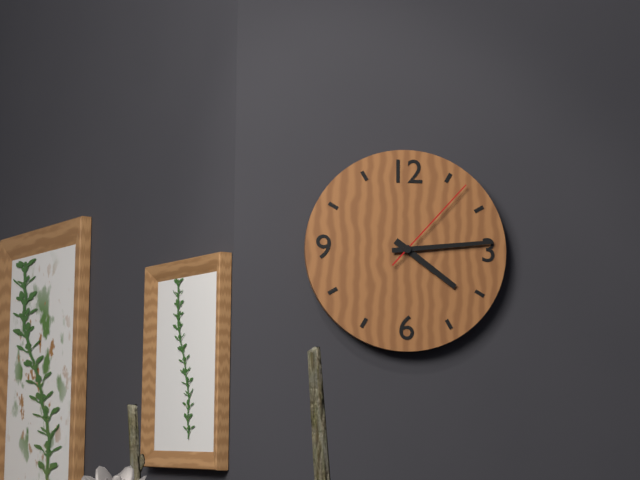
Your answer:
{"hour": 4, "minute": 14, "second": 7}
